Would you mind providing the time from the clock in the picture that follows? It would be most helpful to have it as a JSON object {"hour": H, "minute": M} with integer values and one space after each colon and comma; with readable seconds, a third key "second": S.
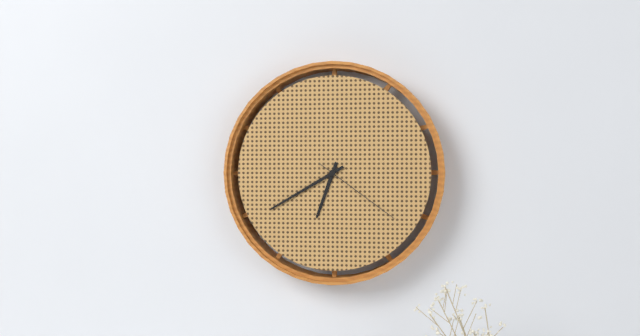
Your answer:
{"hour": 6, "minute": 40, "second": 21}
